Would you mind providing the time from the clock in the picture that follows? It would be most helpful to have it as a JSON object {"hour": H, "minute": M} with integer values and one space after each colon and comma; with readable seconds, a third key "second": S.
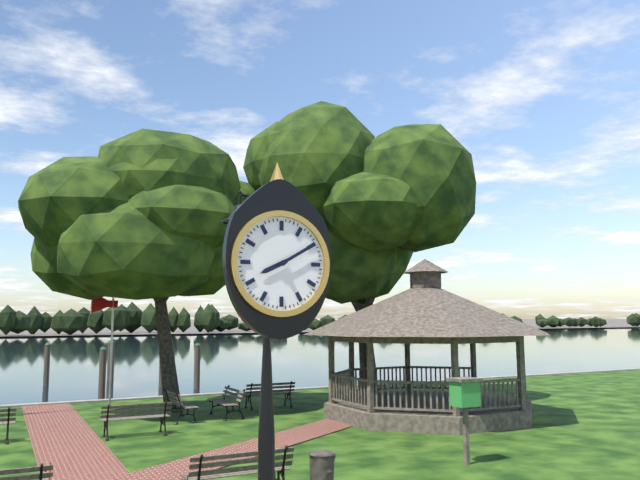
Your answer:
{"hour": 8, "minute": 10}
